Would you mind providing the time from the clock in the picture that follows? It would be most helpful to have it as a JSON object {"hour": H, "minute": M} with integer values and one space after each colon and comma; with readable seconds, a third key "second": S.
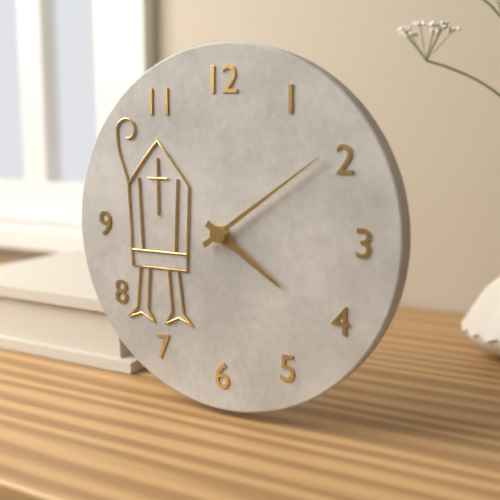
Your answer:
{"hour": 4, "minute": 9}
